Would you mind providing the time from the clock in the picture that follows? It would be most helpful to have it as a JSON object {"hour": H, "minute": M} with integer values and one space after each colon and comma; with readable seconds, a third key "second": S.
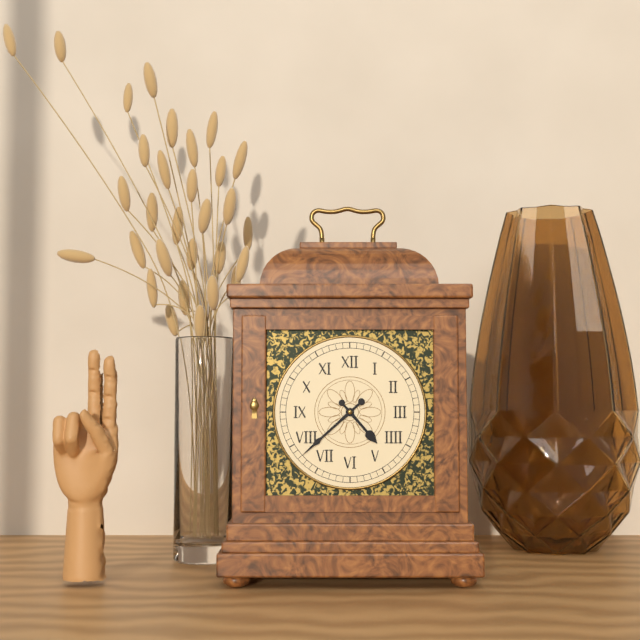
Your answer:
{"hour": 4, "minute": 38}
